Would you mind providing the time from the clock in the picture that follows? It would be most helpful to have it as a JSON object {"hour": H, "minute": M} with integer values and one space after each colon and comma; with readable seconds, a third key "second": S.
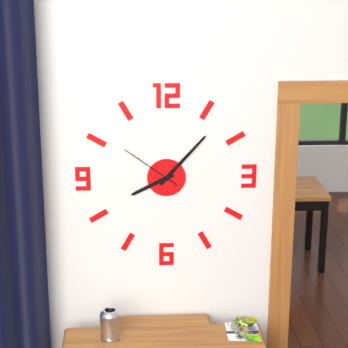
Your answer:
{"hour": 8, "minute": 7, "second": 51}
